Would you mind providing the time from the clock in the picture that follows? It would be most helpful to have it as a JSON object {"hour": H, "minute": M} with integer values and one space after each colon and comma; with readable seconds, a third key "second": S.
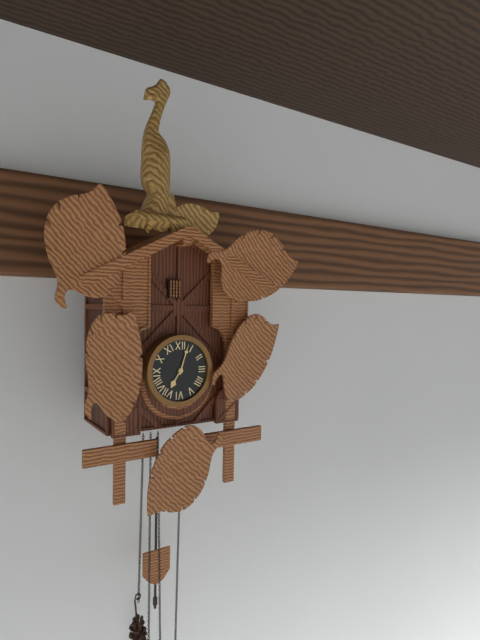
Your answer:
{"hour": 7, "minute": 3}
